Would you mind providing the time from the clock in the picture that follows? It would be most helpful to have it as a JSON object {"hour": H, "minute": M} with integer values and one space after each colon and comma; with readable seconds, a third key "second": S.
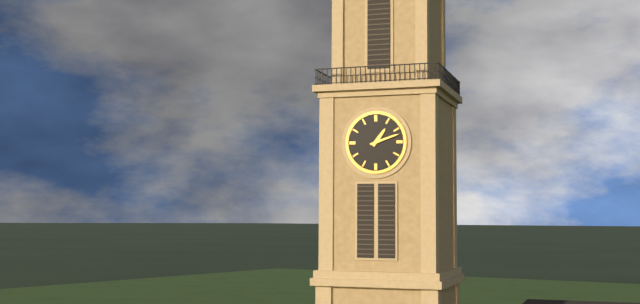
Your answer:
{"hour": 1, "minute": 12}
